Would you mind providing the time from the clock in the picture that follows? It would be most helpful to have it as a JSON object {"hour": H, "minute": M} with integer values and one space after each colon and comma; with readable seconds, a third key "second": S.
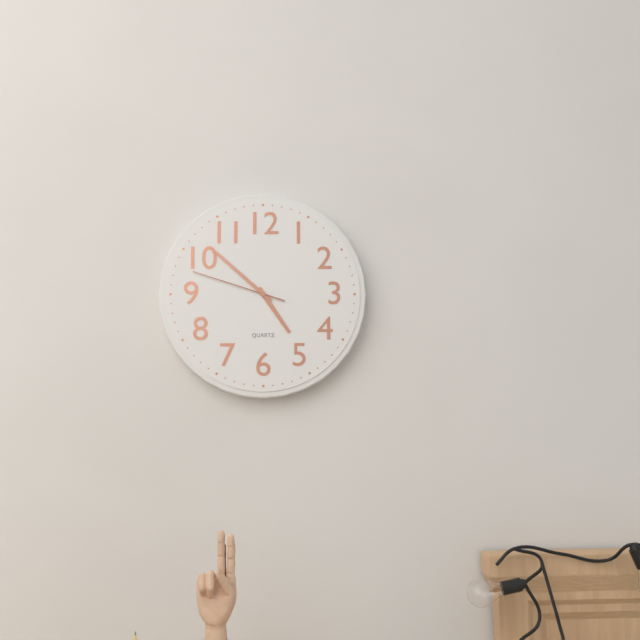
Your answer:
{"hour": 4, "minute": 52, "second": 48}
